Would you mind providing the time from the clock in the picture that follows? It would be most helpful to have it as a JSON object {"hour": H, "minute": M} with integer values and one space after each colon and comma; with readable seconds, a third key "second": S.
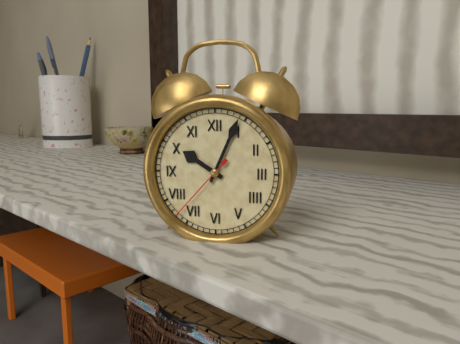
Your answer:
{"hour": 10, "minute": 4, "second": 37}
